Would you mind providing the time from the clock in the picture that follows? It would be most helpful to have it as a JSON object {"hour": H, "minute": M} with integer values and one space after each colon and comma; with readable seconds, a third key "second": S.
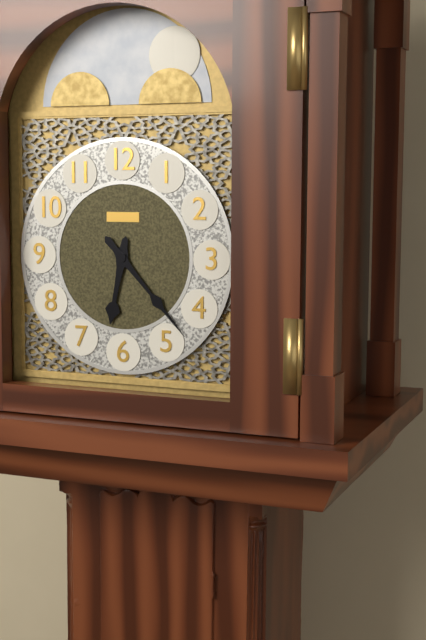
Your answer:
{"hour": 6, "minute": 23}
